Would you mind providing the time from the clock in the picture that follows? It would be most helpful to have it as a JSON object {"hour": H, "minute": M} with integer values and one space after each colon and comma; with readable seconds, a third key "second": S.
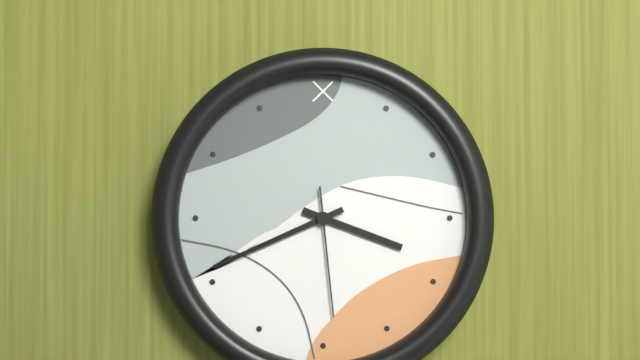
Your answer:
{"hour": 3, "minute": 41, "second": 29}
